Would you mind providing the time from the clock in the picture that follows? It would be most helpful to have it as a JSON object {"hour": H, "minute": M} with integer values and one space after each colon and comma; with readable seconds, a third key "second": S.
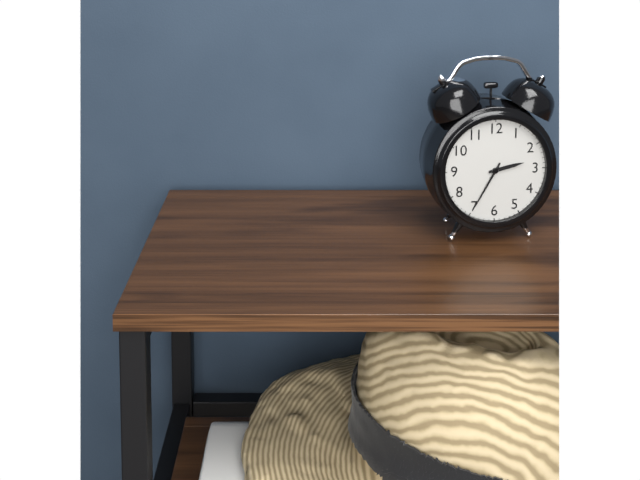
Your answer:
{"hour": 2, "minute": 35}
